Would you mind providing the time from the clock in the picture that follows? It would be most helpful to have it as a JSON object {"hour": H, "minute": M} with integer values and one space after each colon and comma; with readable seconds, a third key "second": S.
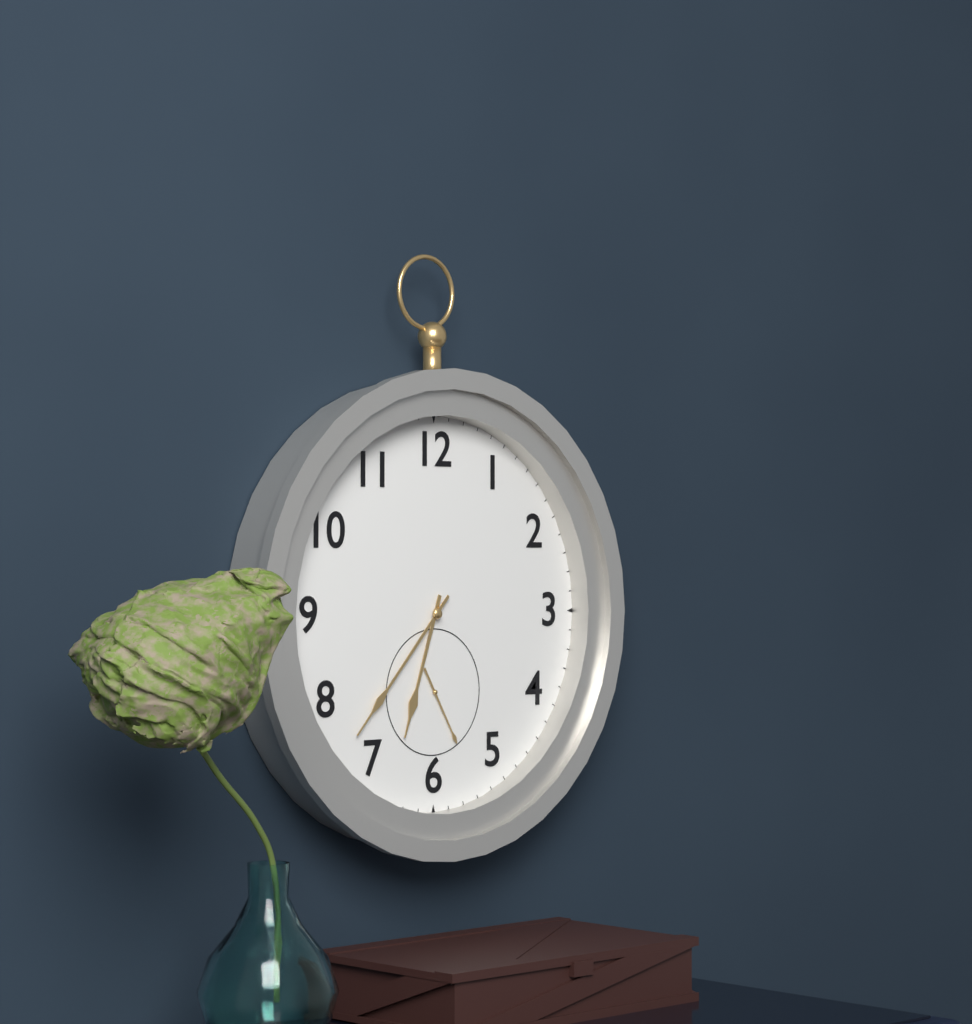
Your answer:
{"hour": 6, "minute": 37, "second": 25}
